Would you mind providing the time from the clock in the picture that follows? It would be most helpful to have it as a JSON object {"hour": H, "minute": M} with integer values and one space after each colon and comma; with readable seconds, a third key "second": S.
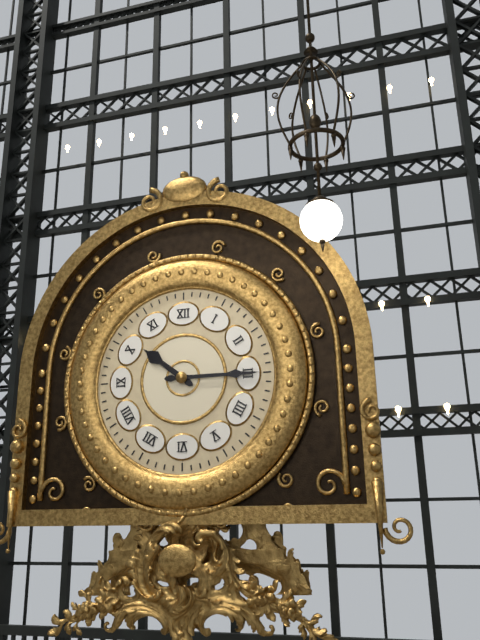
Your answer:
{"hour": 10, "minute": 15}
